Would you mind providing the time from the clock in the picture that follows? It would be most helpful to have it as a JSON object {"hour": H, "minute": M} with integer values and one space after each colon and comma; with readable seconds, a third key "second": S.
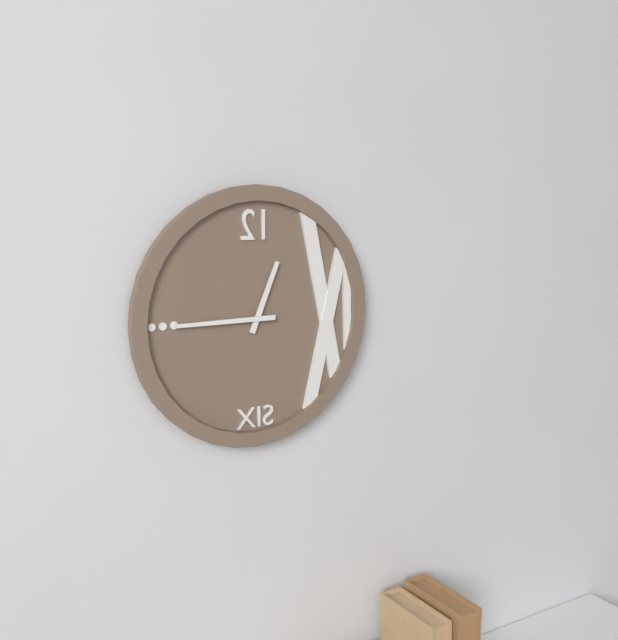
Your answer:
{"hour": 12, "minute": 45}
